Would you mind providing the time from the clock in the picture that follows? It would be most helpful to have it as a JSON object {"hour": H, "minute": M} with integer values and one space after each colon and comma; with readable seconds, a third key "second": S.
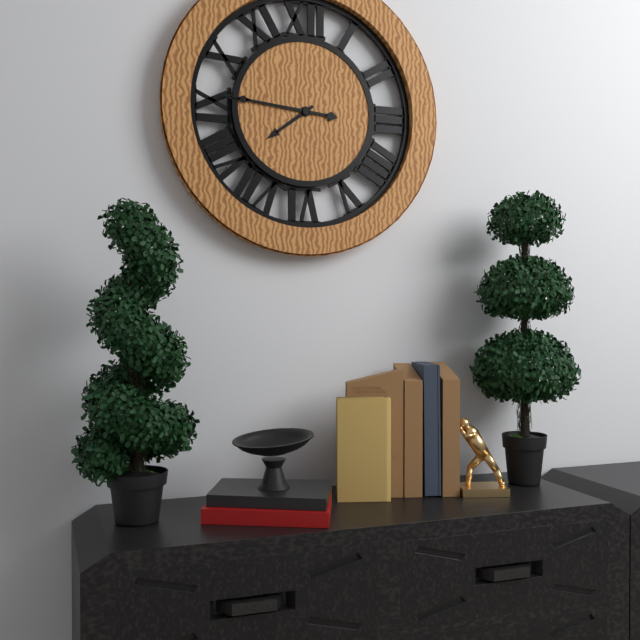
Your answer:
{"hour": 7, "minute": 46}
